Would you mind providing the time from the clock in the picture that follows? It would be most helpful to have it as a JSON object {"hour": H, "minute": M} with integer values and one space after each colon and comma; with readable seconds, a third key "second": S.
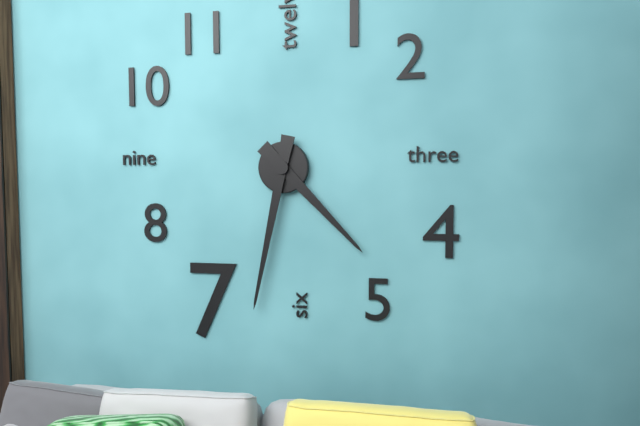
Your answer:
{"hour": 4, "minute": 32}
